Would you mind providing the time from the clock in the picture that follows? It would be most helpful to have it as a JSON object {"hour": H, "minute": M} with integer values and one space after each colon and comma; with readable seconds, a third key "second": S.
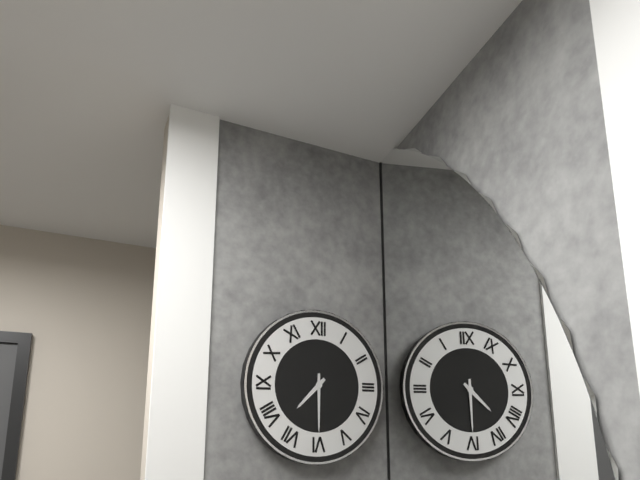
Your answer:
{"hour": 7, "minute": 30}
